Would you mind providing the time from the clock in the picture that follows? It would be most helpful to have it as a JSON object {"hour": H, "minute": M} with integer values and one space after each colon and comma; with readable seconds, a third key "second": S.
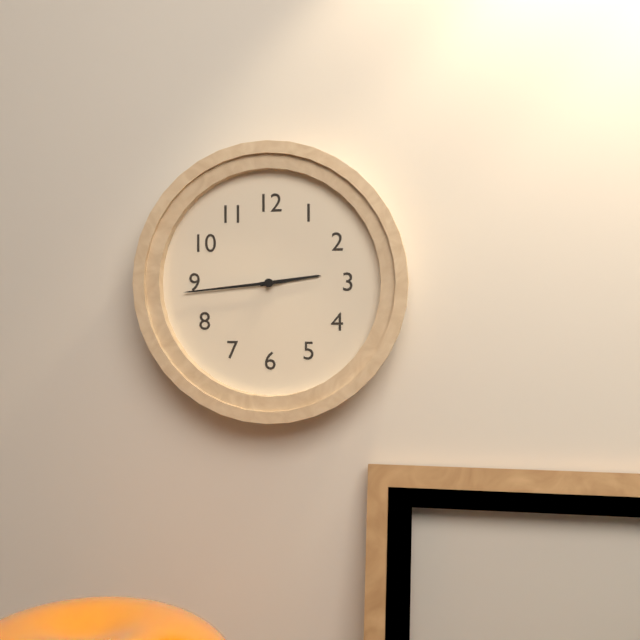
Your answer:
{"hour": 2, "minute": 44}
